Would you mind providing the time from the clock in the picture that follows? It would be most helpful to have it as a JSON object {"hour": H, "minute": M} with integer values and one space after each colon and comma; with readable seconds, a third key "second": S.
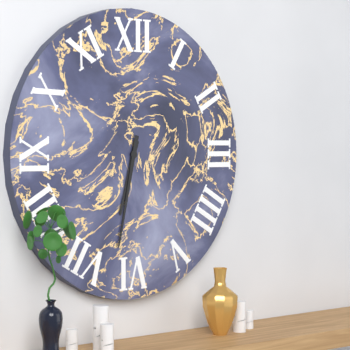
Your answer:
{"hour": 6, "minute": 32}
